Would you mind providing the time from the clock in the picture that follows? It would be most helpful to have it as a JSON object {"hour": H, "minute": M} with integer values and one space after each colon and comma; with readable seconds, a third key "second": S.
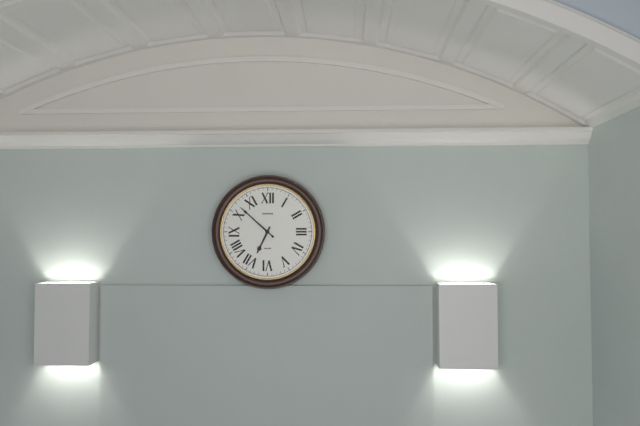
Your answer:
{"hour": 6, "minute": 52}
